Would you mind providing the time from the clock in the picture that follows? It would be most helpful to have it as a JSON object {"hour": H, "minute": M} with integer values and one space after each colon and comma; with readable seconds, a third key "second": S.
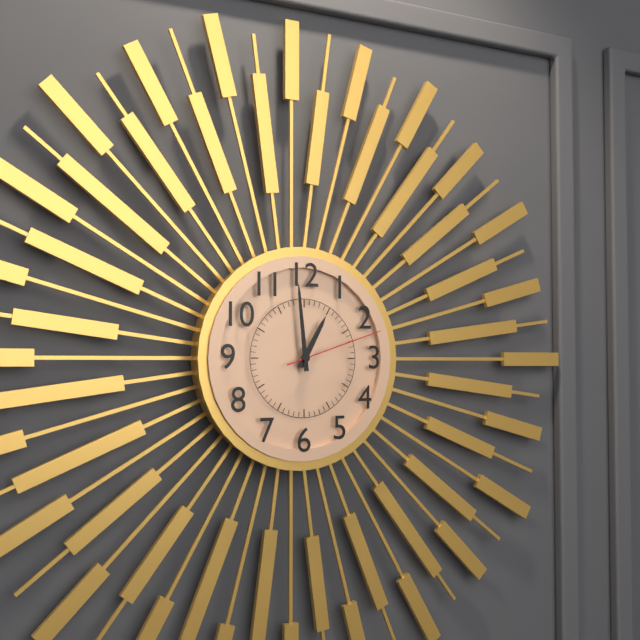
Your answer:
{"hour": 12, "minute": 59, "second": 12}
